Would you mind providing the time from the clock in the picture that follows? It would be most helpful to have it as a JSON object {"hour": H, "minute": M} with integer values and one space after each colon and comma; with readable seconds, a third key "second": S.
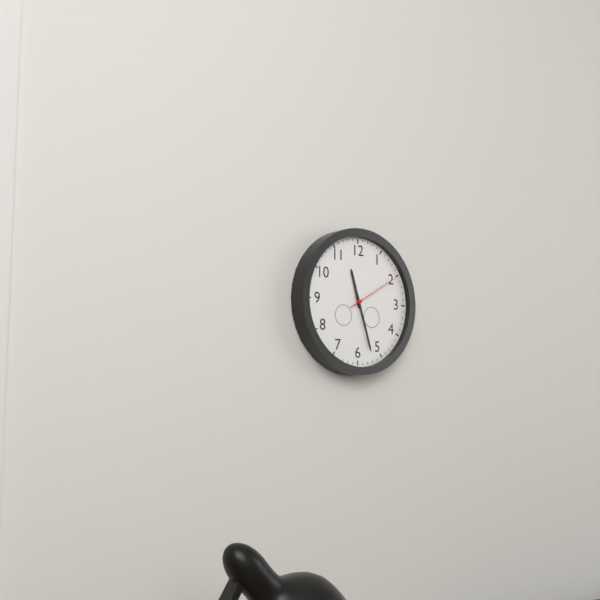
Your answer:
{"hour": 11, "minute": 27, "second": 10}
